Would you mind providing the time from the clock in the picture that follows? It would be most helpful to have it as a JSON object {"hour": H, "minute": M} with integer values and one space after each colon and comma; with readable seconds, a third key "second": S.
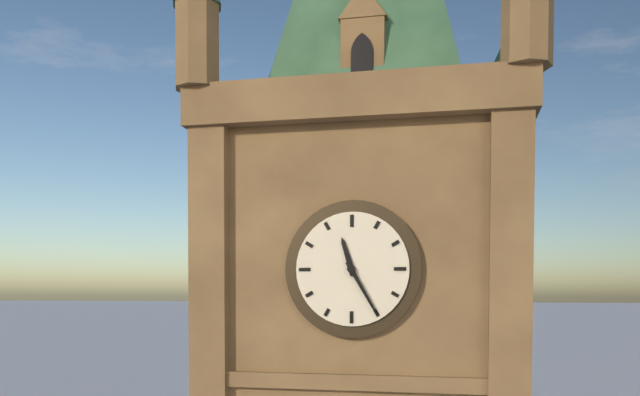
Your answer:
{"hour": 11, "minute": 25}
